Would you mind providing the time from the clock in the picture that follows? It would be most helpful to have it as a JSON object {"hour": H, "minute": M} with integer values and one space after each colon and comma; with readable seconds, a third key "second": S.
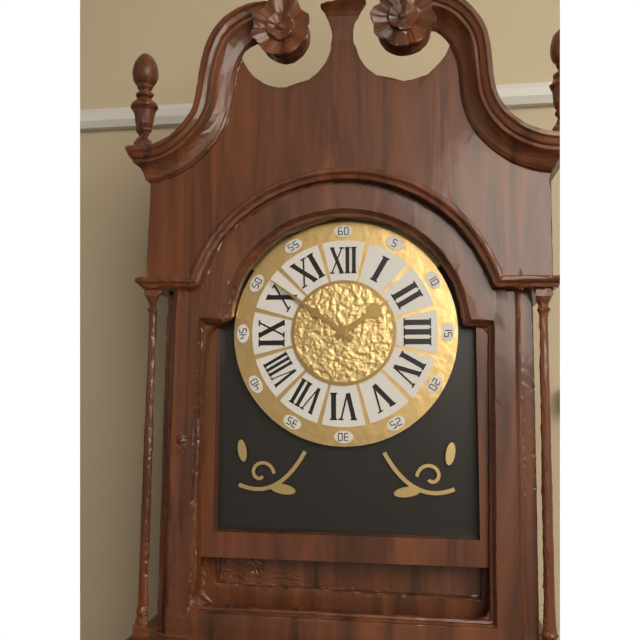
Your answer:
{"hour": 1, "minute": 51}
